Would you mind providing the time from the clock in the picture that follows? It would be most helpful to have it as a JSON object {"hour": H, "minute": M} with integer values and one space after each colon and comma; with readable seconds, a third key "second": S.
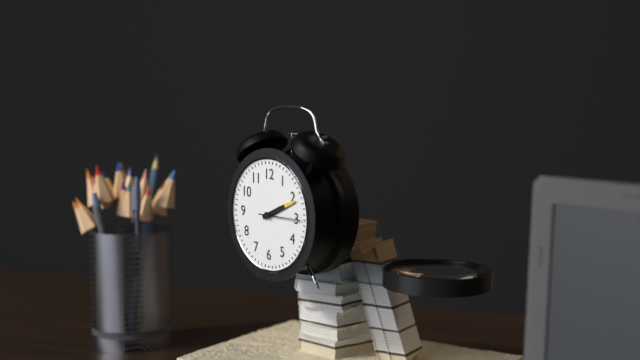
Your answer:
{"hour": 2, "minute": 11}
